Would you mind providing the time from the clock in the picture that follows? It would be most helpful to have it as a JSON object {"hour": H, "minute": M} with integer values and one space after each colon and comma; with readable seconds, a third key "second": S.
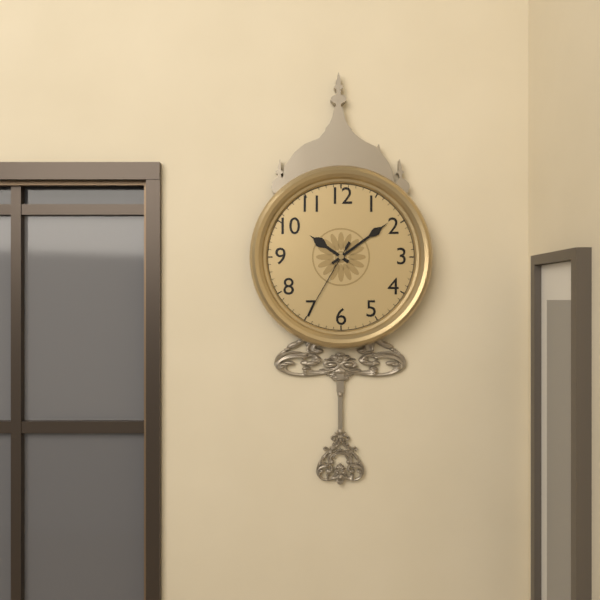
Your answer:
{"hour": 10, "minute": 9, "second": 35}
